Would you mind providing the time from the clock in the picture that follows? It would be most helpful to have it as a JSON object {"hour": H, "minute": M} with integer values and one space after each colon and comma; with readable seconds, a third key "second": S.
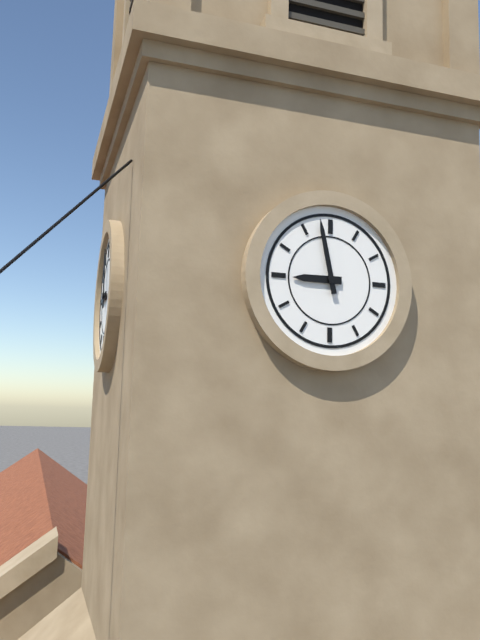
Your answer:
{"hour": 8, "minute": 58}
